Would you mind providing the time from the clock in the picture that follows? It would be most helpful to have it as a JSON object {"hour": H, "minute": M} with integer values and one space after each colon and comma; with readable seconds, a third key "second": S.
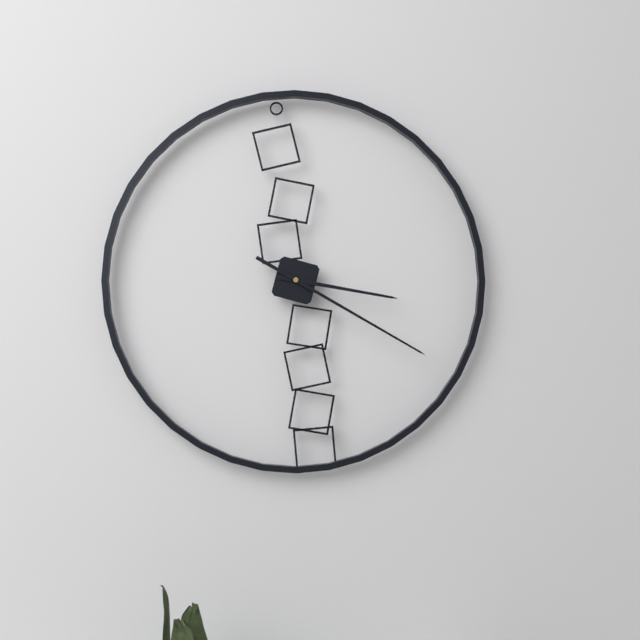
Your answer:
{"hour": 3, "minute": 20}
